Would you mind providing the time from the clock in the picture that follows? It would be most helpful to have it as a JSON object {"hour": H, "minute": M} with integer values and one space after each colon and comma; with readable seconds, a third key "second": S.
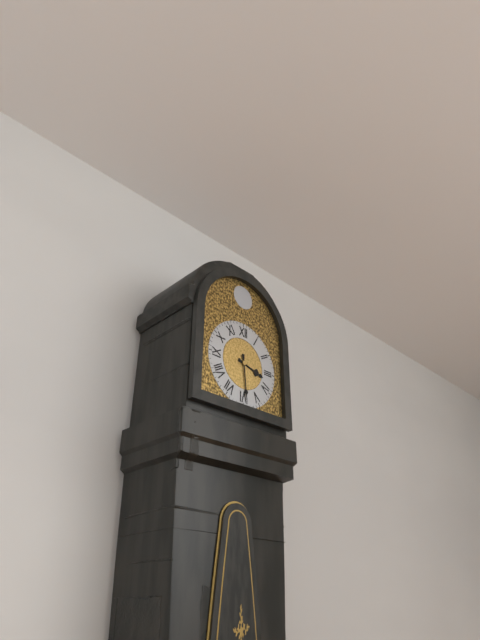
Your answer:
{"hour": 3, "minute": 29}
